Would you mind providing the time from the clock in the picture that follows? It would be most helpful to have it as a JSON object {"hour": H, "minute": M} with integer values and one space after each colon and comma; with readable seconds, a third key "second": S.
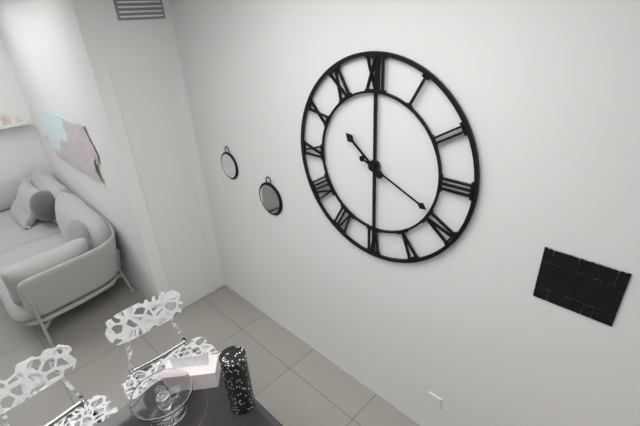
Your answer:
{"hour": 10, "minute": 19}
